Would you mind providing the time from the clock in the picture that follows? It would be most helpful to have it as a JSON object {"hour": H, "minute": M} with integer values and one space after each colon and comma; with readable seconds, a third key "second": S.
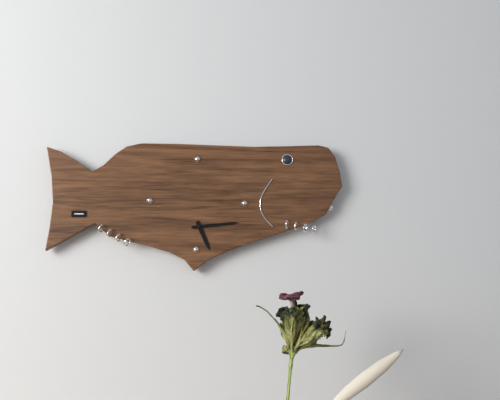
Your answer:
{"hour": 5, "minute": 14}
